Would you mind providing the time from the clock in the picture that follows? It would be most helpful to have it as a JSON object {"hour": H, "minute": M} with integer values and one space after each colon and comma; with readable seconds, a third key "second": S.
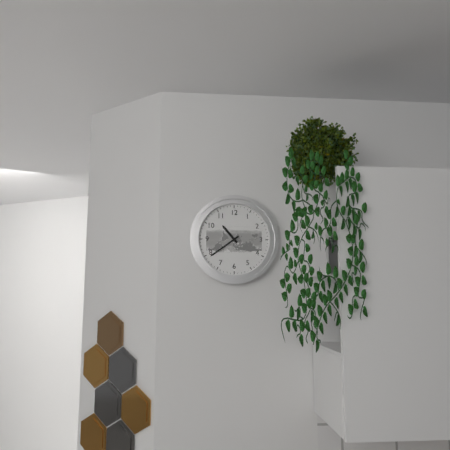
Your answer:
{"hour": 10, "minute": 39}
